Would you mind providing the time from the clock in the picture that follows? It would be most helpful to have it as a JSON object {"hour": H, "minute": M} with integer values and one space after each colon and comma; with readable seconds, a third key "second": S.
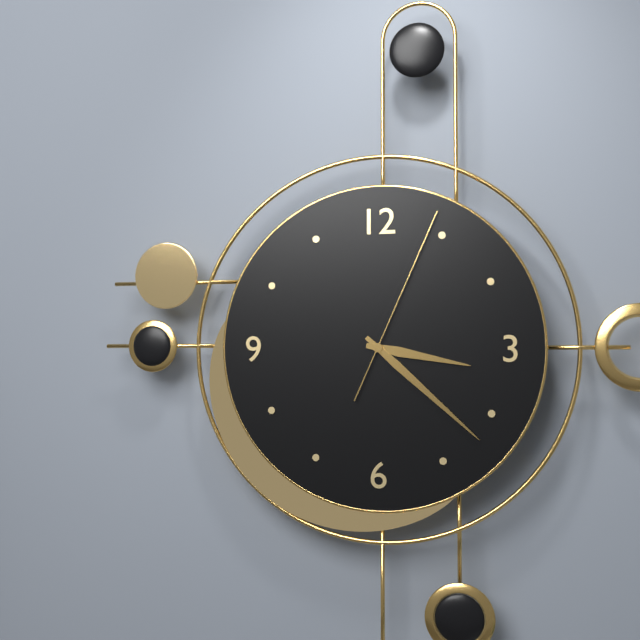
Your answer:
{"hour": 3, "minute": 22, "second": 4}
